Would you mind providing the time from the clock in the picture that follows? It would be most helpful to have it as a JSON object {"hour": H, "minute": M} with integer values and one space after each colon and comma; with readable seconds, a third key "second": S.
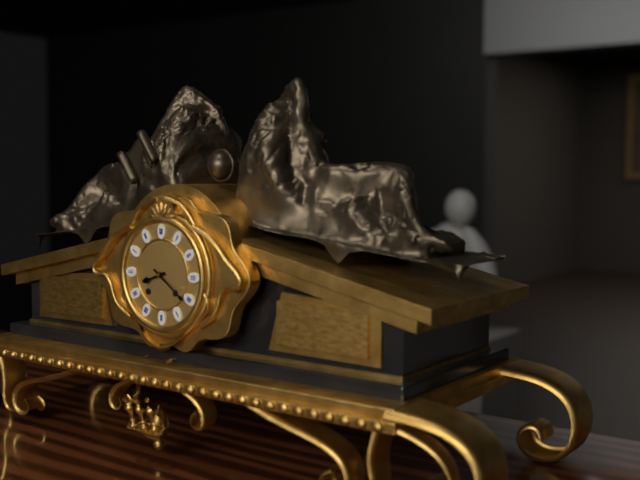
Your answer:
{"hour": 8, "minute": 21}
